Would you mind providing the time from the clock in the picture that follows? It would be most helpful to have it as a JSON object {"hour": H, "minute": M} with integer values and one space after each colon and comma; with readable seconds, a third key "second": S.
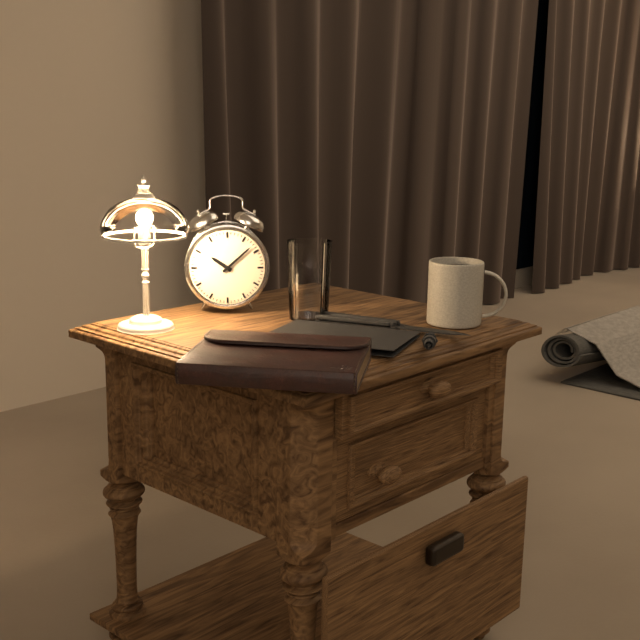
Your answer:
{"hour": 10, "minute": 8}
